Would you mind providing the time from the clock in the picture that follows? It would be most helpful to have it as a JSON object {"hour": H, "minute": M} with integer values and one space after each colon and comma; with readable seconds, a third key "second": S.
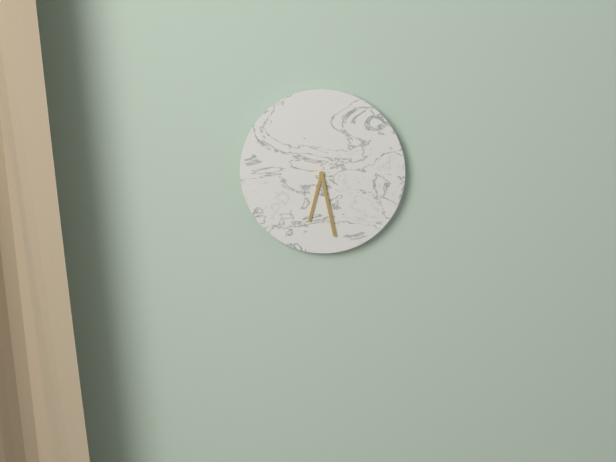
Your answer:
{"hour": 6, "minute": 28}
